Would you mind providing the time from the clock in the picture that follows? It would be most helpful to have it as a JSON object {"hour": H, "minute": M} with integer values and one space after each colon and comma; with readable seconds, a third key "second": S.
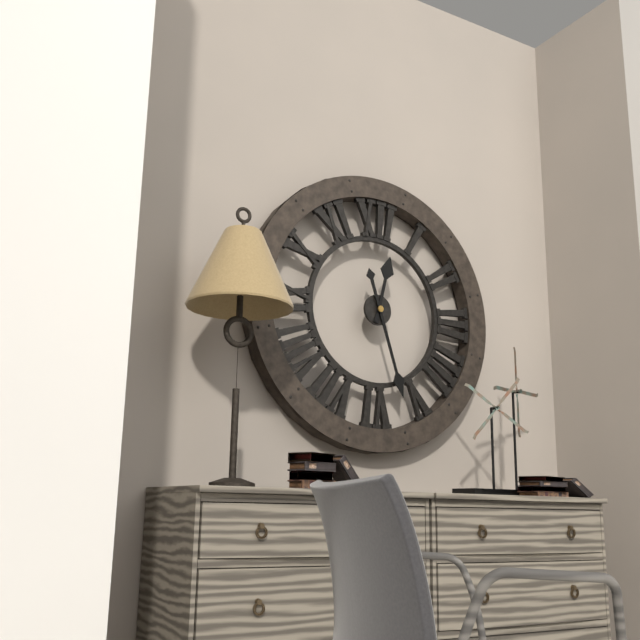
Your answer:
{"hour": 12, "minute": 27}
